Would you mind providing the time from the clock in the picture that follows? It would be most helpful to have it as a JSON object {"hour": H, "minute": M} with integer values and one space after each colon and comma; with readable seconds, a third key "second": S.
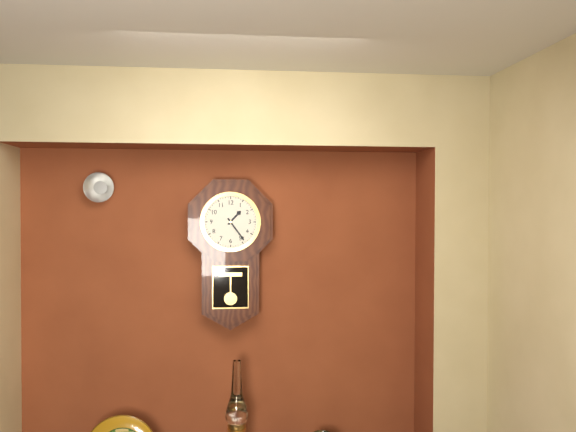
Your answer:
{"hour": 1, "minute": 24}
